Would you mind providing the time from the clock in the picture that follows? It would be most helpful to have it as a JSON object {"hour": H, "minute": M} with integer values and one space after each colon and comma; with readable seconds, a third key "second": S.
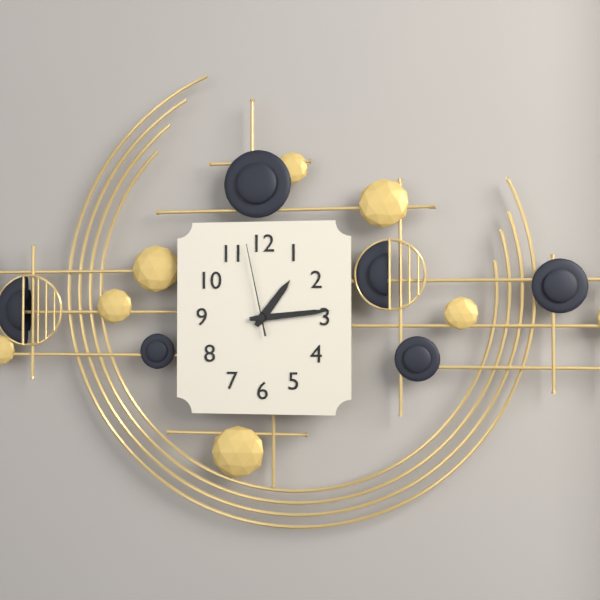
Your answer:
{"hour": 1, "minute": 14, "second": 58}
